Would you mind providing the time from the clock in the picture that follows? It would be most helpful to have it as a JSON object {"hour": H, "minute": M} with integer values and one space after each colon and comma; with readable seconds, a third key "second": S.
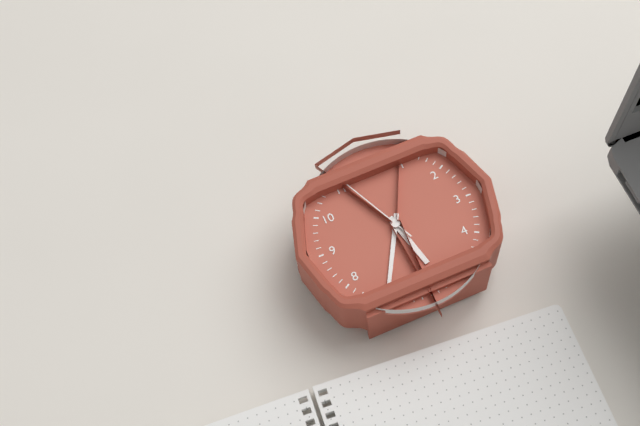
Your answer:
{"hour": 5, "minute": 35, "second": 56}
